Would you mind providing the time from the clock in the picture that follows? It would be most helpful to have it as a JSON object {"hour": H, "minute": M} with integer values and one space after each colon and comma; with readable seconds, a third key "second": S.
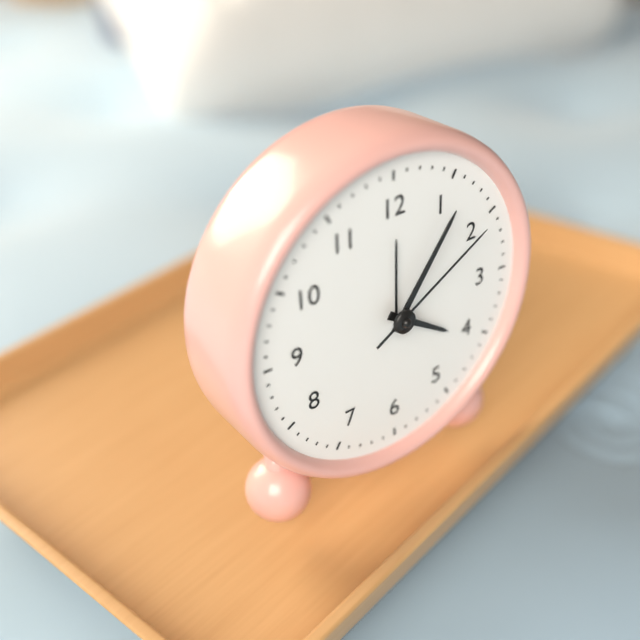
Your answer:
{"hour": 4, "minute": 6, "second": 10}
